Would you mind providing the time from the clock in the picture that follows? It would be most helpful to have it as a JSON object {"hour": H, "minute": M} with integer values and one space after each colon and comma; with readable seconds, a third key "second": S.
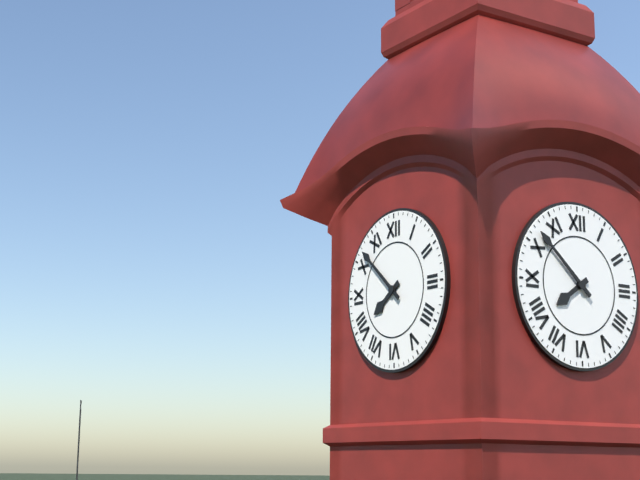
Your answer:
{"hour": 7, "minute": 52}
